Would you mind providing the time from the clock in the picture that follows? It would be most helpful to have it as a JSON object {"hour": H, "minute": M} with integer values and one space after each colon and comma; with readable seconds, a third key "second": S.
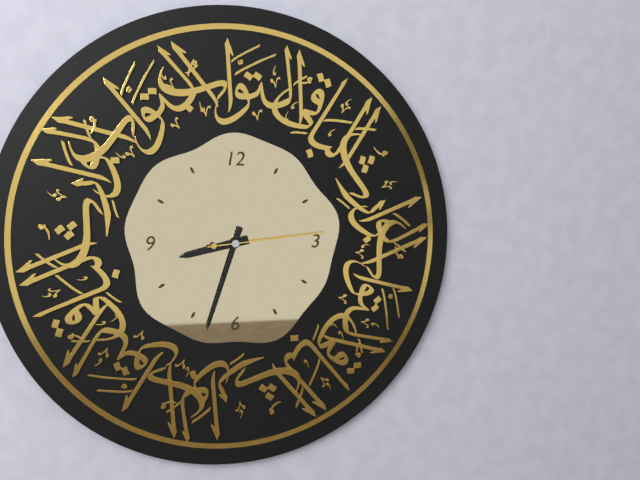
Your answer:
{"hour": 8, "minute": 33, "second": 14}
